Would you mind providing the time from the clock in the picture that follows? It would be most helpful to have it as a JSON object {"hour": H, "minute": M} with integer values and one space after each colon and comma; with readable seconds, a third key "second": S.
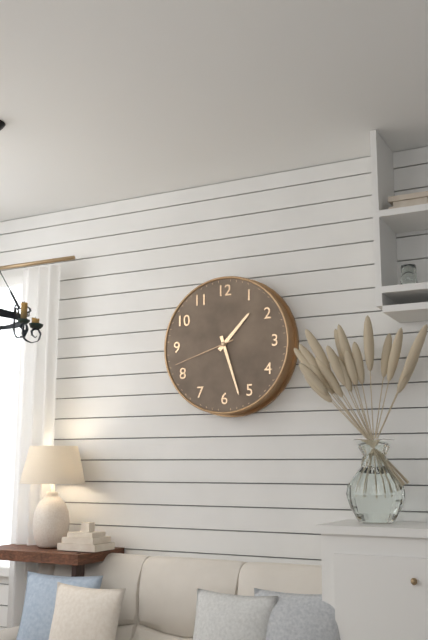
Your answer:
{"hour": 1, "minute": 27, "second": 42}
